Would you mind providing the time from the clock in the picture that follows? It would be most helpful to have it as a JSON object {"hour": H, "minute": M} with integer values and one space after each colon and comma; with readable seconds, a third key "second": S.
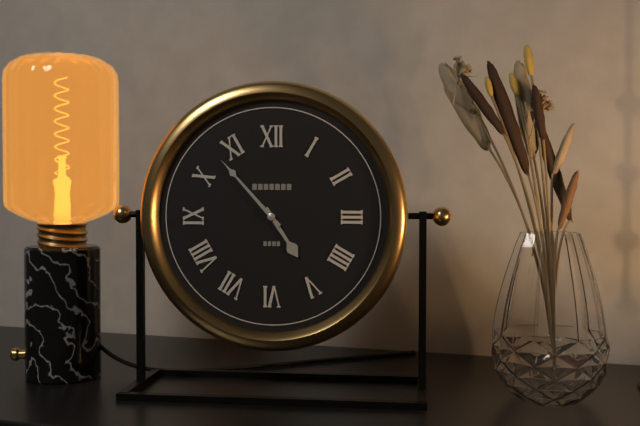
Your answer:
{"hour": 4, "minute": 53}
